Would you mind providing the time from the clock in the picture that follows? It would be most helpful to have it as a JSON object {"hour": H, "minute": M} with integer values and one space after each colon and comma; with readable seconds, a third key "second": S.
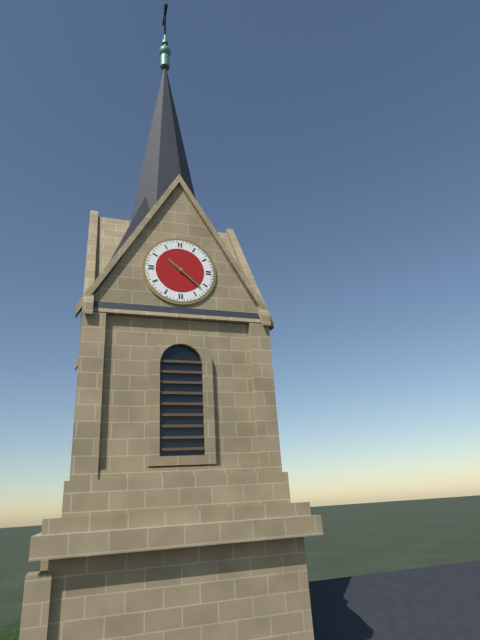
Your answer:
{"hour": 10, "minute": 22}
